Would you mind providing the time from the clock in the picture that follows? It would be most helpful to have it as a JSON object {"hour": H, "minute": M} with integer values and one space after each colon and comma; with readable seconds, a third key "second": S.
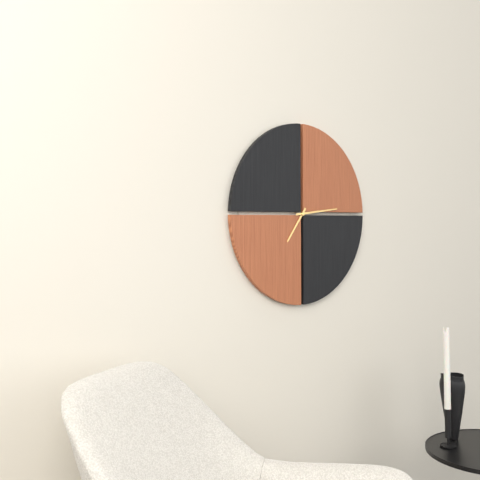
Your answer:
{"hour": 7, "minute": 14}
